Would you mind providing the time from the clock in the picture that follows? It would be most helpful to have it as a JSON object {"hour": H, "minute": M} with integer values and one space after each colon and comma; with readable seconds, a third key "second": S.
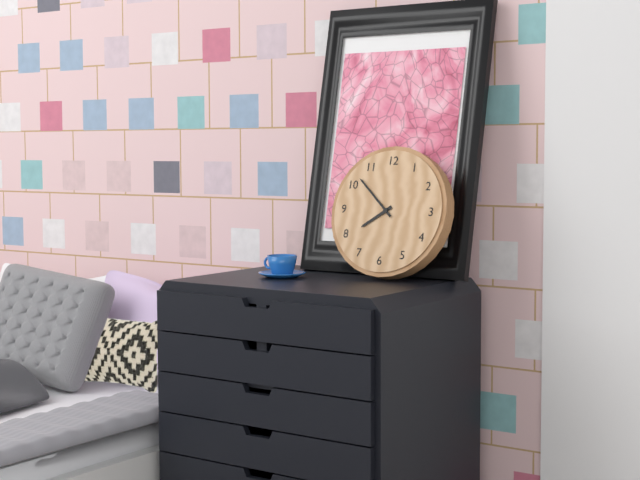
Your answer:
{"hour": 7, "minute": 52}
